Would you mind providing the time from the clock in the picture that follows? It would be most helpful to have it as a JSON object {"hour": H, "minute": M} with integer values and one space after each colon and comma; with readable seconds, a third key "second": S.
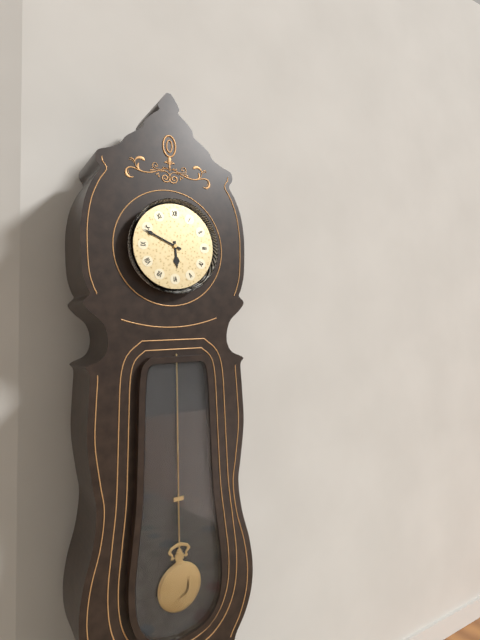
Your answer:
{"hour": 5, "minute": 49}
